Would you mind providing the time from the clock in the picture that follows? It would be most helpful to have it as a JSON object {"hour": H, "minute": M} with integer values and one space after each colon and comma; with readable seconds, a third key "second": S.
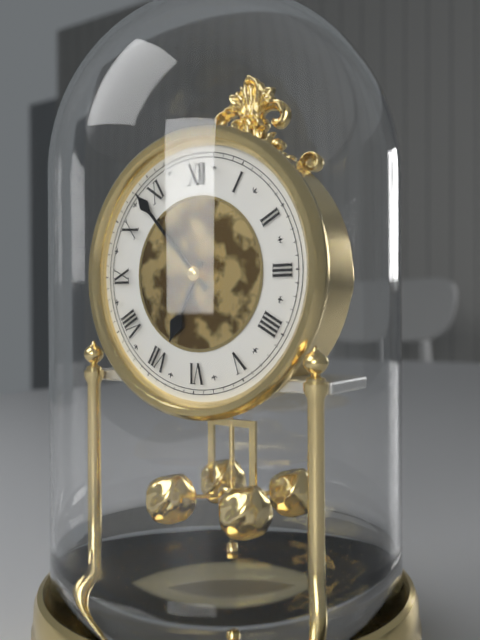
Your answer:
{"hour": 6, "minute": 53}
